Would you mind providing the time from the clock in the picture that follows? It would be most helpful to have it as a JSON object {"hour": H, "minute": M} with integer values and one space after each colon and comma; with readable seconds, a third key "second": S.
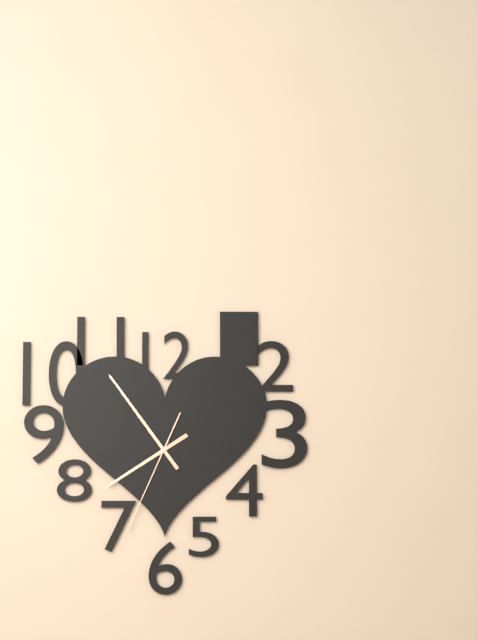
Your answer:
{"hour": 7, "minute": 54, "second": 34}
